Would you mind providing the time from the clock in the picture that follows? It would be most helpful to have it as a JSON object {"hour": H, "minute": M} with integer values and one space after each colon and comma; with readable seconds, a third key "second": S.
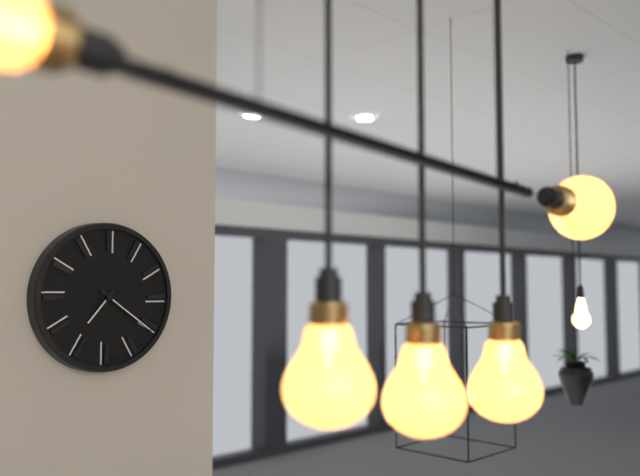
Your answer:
{"hour": 7, "minute": 21}
